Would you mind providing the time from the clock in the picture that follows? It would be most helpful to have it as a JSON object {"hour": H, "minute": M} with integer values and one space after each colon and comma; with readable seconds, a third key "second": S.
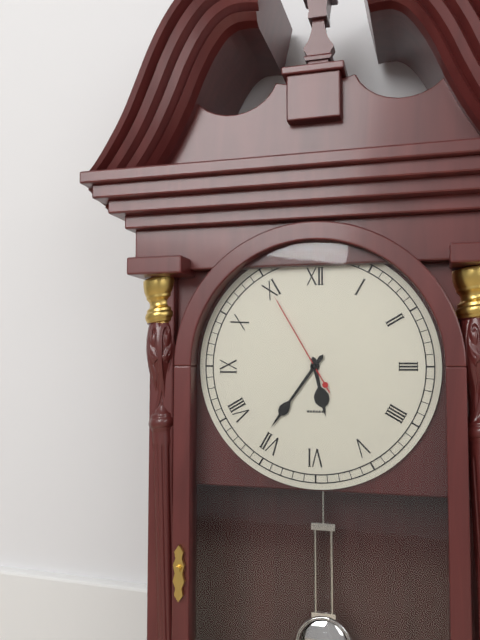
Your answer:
{"hour": 5, "minute": 36, "second": 55}
